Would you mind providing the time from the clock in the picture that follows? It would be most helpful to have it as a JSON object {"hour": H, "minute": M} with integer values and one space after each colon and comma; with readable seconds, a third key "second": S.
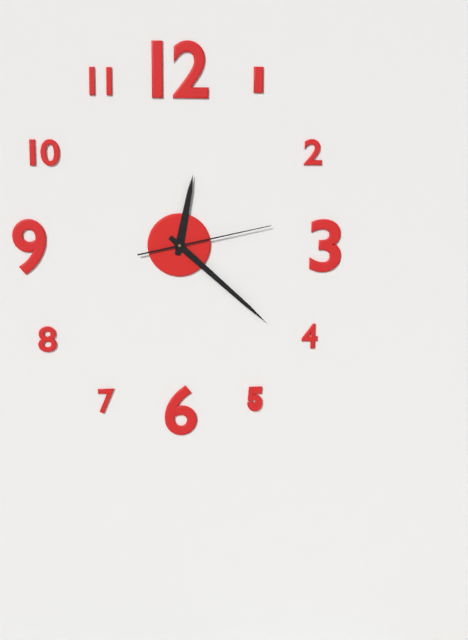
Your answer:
{"hour": 12, "minute": 22, "second": 13}
